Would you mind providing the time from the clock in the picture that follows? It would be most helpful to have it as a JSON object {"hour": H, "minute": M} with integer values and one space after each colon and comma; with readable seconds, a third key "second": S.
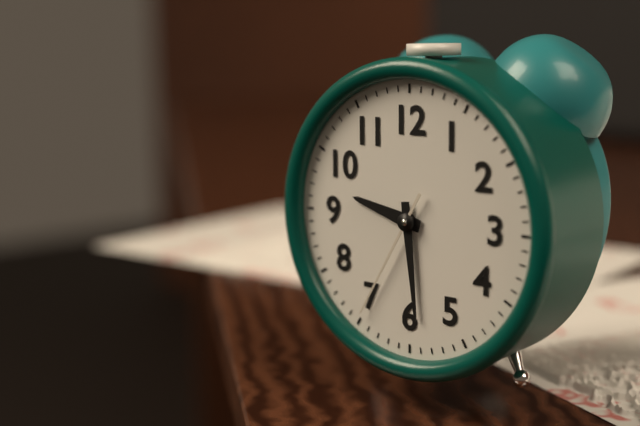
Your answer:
{"hour": 9, "minute": 29, "second": 35}
